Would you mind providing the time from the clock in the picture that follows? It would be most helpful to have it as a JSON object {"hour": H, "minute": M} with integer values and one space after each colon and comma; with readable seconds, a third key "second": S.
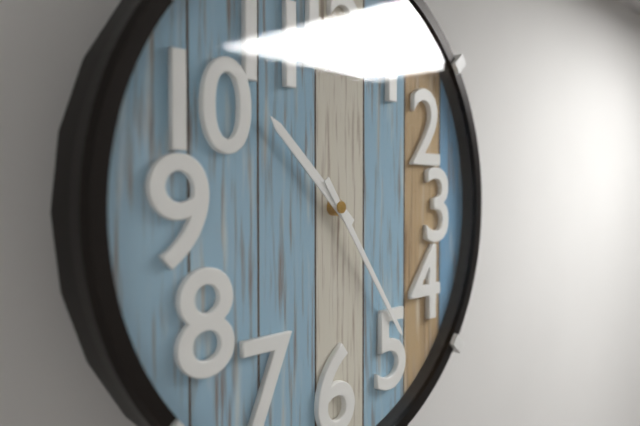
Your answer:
{"hour": 10, "minute": 24}
